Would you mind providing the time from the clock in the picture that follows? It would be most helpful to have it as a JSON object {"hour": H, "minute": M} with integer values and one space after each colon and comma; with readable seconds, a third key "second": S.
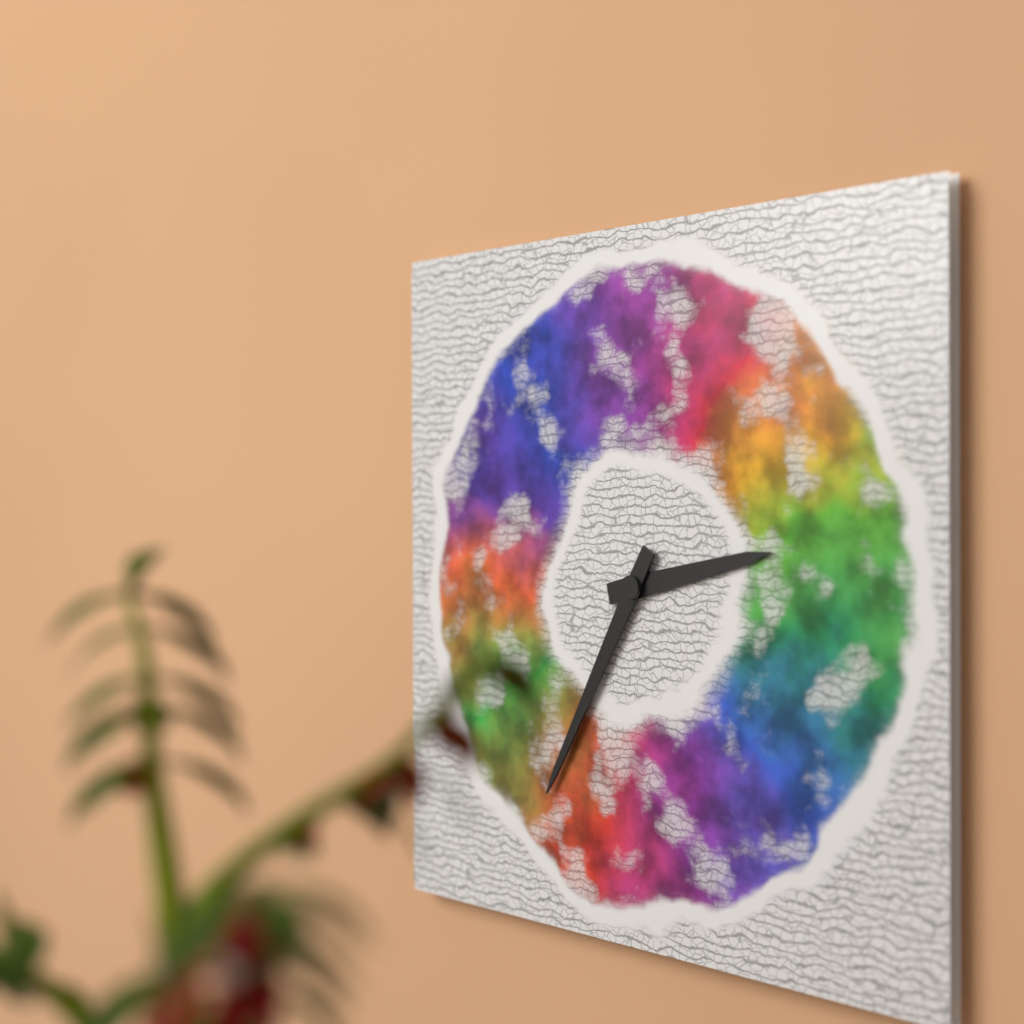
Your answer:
{"hour": 2, "minute": 35}
